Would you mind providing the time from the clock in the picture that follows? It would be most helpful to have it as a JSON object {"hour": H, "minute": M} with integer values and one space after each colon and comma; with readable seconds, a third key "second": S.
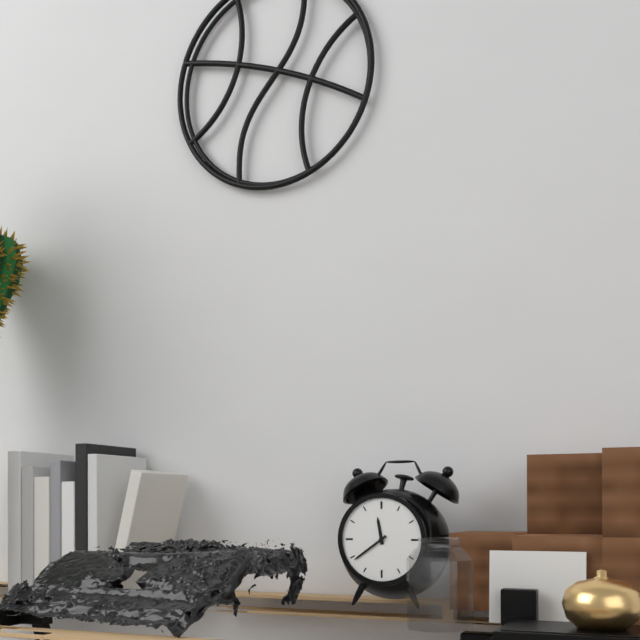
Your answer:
{"hour": 11, "minute": 39}
